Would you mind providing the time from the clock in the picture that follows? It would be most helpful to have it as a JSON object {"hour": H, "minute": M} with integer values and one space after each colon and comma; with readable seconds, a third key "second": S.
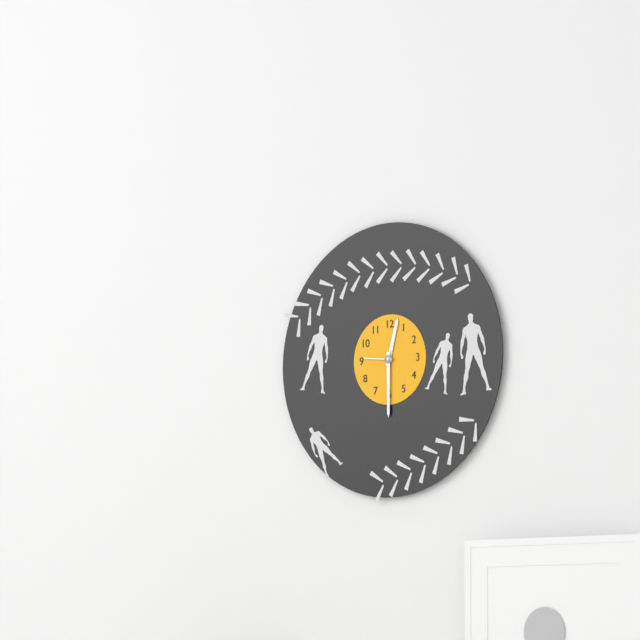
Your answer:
{"hour": 12, "minute": 30}
